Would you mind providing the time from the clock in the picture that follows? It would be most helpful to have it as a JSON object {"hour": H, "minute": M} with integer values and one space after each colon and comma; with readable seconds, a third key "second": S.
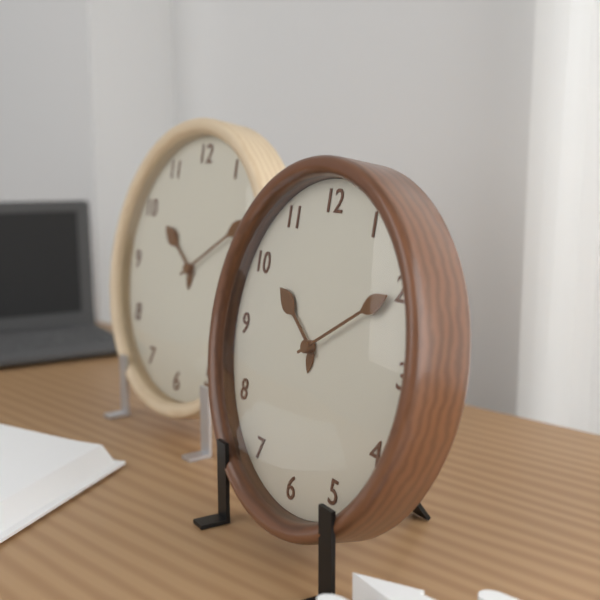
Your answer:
{"hour": 10, "minute": 10}
